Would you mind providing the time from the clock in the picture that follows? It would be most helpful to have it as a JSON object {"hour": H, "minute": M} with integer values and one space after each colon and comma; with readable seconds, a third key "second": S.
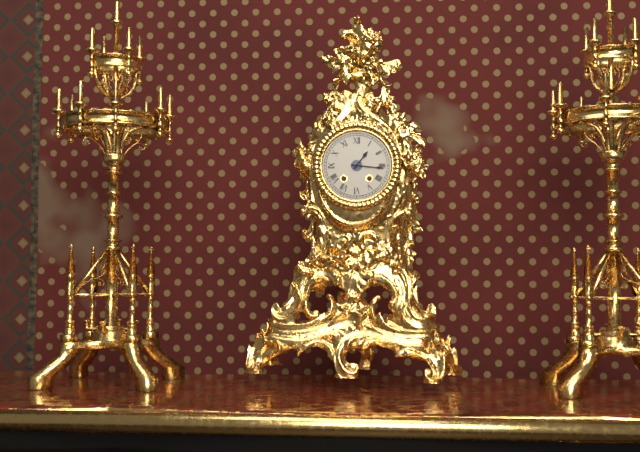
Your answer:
{"hour": 1, "minute": 16}
